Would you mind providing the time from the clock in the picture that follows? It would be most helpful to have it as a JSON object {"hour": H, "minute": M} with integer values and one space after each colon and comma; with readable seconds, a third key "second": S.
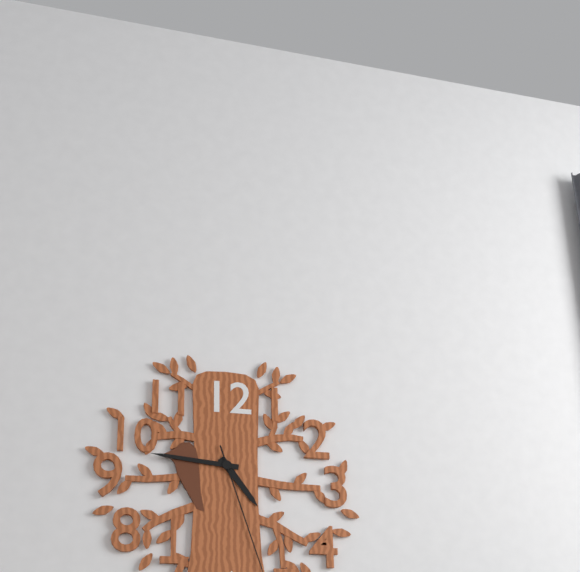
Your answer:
{"hour": 4, "minute": 46}
